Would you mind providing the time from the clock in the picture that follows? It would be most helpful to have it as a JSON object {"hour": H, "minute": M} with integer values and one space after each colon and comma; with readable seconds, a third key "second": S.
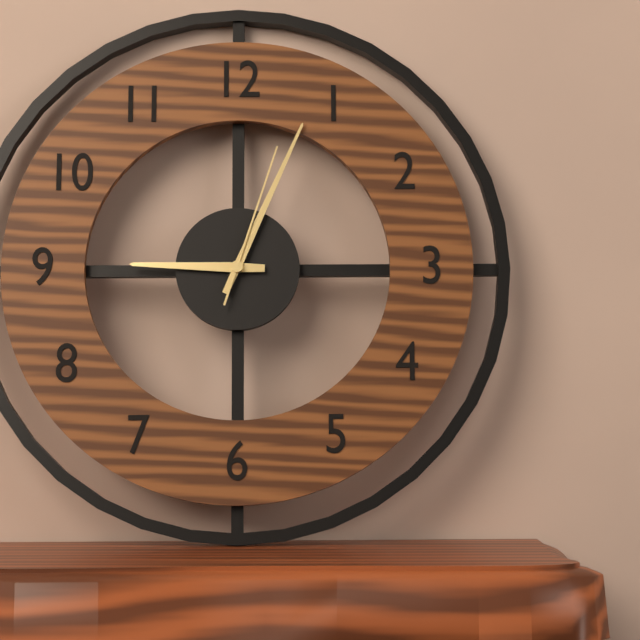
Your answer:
{"hour": 9, "minute": 4, "second": 3}
